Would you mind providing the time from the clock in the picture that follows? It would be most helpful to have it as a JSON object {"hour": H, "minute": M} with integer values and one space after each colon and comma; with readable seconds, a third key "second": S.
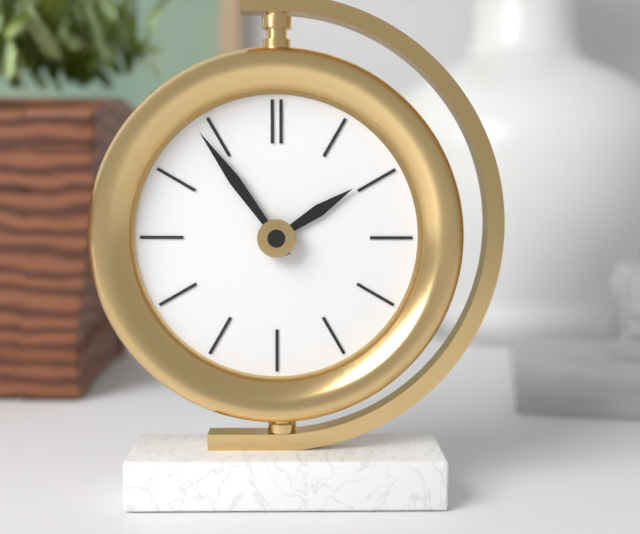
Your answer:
{"hour": 1, "minute": 54}
